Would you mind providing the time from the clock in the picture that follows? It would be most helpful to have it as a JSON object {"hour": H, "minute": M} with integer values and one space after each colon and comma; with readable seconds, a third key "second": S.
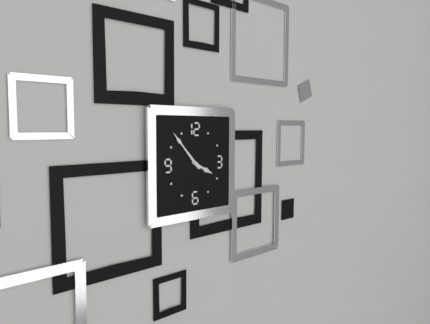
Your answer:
{"hour": 3, "minute": 53}
